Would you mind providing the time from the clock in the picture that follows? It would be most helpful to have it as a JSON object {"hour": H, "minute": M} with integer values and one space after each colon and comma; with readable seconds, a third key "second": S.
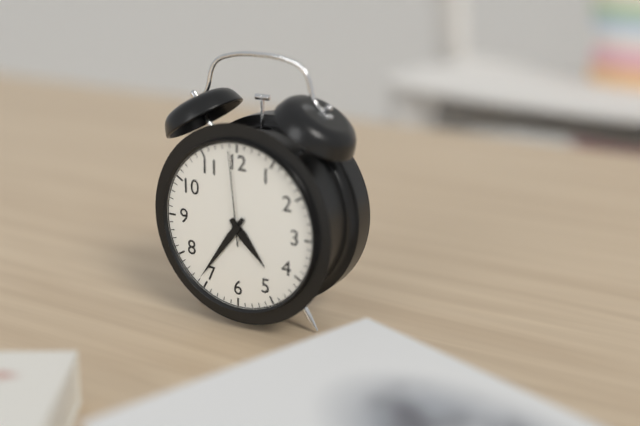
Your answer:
{"hour": 4, "minute": 36, "second": 59}
